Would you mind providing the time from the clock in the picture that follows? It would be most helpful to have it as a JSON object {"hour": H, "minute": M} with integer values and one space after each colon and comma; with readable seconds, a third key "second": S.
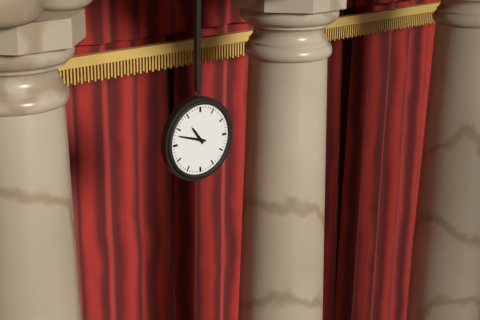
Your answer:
{"hour": 10, "minute": 48}
